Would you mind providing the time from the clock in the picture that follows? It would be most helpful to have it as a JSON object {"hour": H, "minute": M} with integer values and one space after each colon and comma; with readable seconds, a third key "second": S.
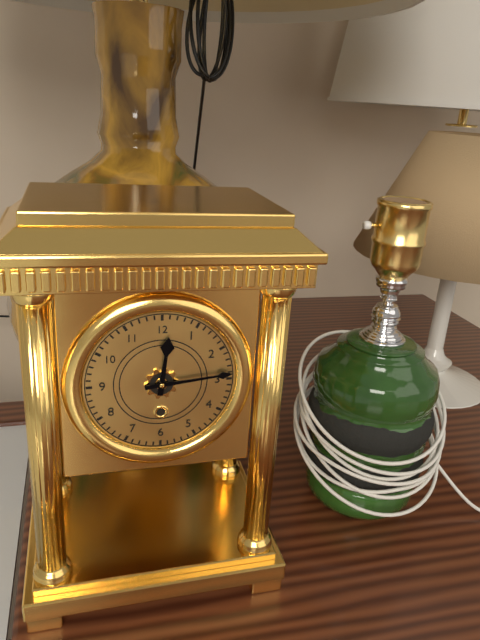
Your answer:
{"hour": 12, "minute": 14}
